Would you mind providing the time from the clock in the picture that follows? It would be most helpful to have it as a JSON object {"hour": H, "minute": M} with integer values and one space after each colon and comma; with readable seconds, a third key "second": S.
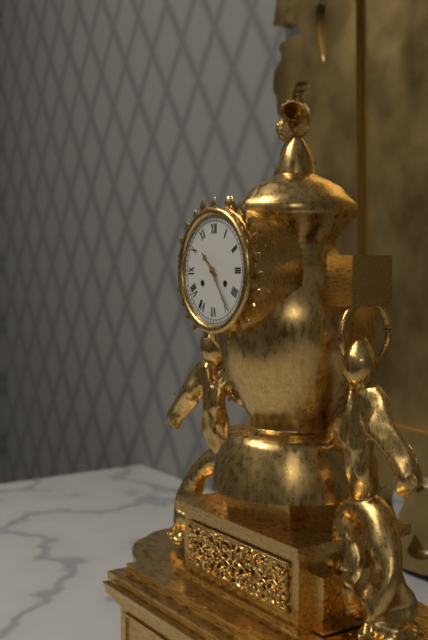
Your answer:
{"hour": 10, "minute": 24}
